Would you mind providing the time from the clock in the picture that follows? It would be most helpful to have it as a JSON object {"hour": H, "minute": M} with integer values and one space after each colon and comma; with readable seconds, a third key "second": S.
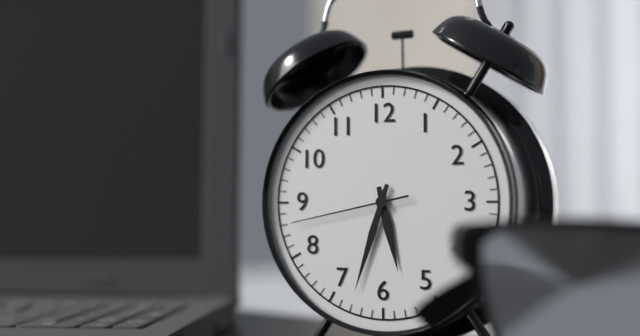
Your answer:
{"hour": 5, "minute": 33, "second": 43}
